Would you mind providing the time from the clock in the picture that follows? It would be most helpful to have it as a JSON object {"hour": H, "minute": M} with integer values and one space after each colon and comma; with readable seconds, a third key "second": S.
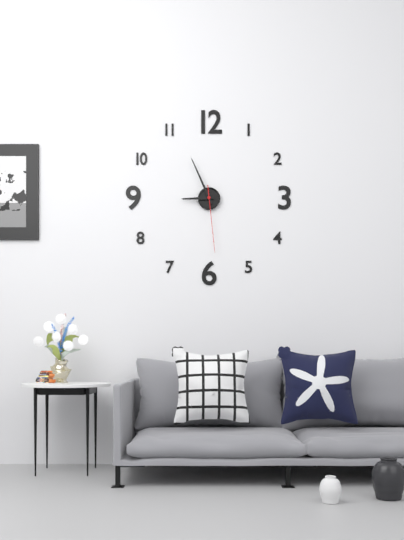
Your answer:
{"hour": 8, "minute": 56, "second": 29}
